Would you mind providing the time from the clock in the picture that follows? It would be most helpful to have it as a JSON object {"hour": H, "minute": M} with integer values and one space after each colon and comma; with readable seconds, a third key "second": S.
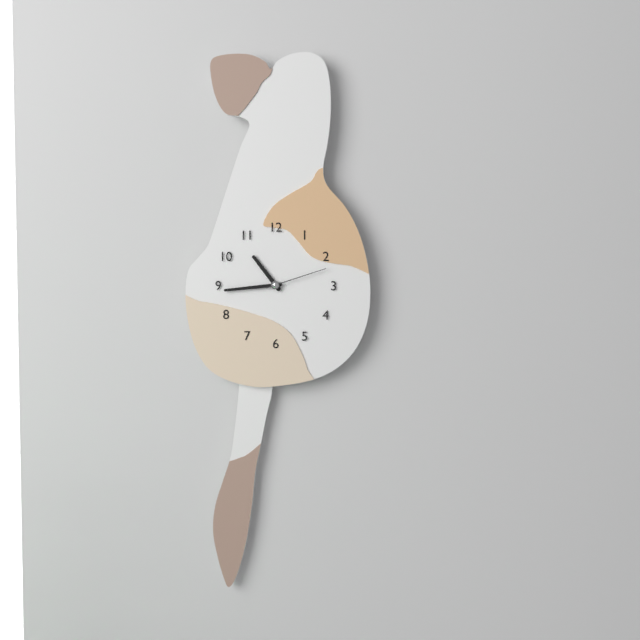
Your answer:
{"hour": 10, "minute": 44, "second": 12}
